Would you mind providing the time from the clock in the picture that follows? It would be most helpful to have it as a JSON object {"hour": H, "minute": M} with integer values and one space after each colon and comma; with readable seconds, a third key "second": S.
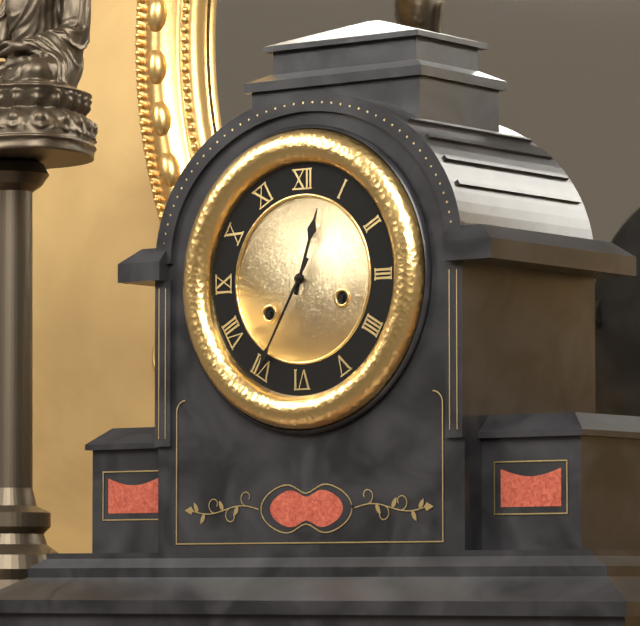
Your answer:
{"hour": 12, "minute": 35}
